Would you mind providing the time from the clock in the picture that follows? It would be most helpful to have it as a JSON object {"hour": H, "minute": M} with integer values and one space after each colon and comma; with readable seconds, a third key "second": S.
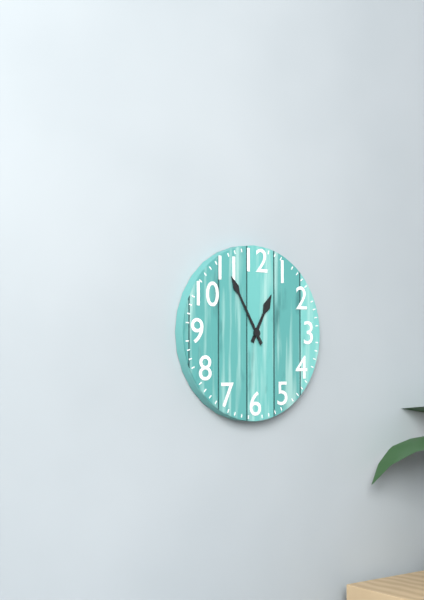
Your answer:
{"hour": 12, "minute": 55}
